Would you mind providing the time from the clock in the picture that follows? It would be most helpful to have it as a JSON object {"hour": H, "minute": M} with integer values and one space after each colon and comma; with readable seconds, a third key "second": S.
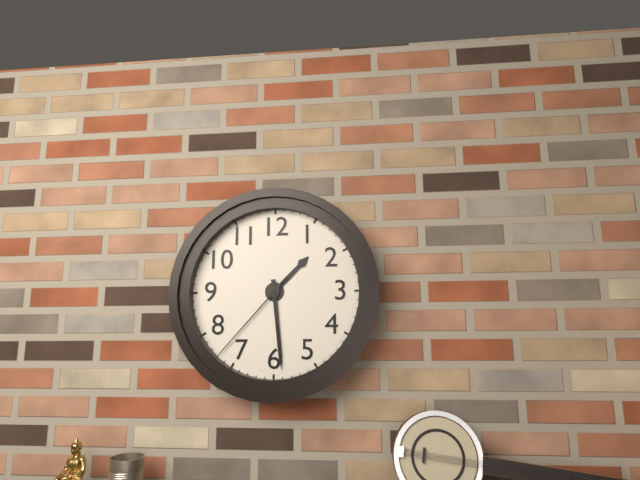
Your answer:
{"hour": 1, "minute": 29, "second": 37}
